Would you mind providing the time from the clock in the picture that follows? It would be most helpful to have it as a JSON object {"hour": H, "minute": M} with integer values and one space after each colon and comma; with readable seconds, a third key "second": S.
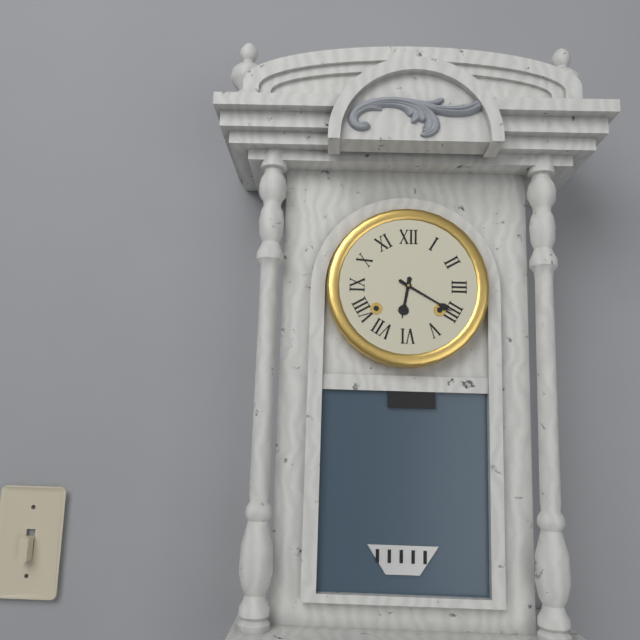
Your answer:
{"hour": 6, "minute": 20}
